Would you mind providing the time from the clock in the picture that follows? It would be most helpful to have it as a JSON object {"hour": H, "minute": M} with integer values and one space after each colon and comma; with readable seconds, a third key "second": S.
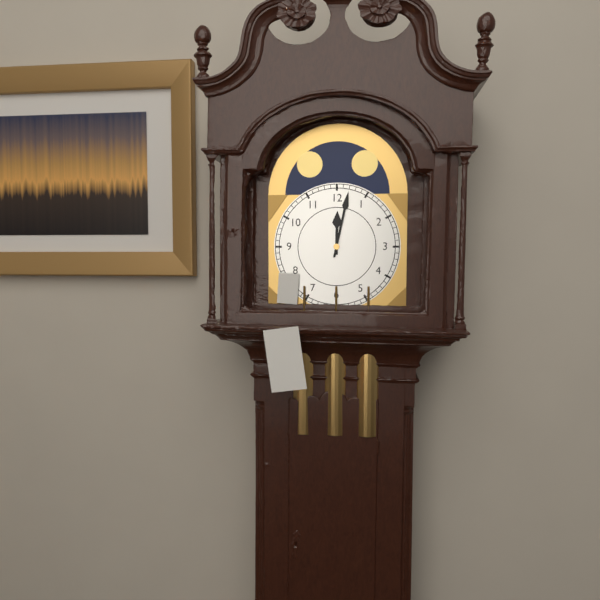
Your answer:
{"hour": 12, "minute": 2}
